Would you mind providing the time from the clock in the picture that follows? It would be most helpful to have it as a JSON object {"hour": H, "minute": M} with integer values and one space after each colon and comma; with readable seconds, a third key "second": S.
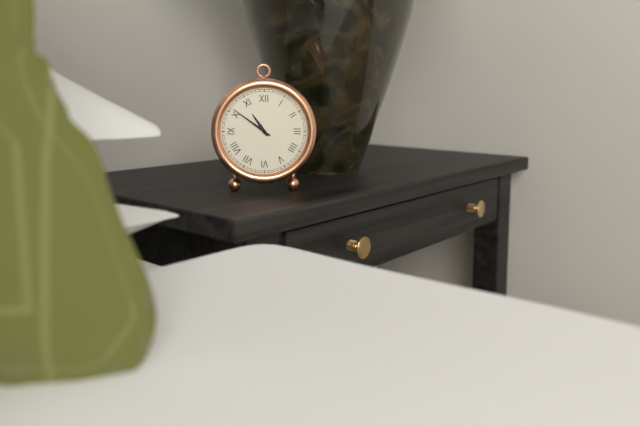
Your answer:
{"hour": 10, "minute": 51}
